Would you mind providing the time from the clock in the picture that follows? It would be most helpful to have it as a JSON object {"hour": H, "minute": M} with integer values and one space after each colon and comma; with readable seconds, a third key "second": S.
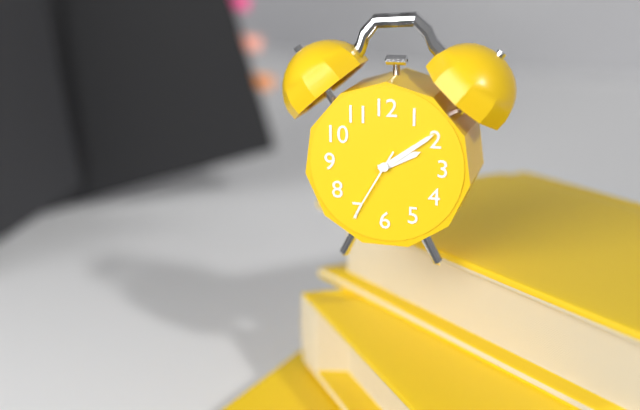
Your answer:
{"hour": 2, "minute": 9, "second": 35}
